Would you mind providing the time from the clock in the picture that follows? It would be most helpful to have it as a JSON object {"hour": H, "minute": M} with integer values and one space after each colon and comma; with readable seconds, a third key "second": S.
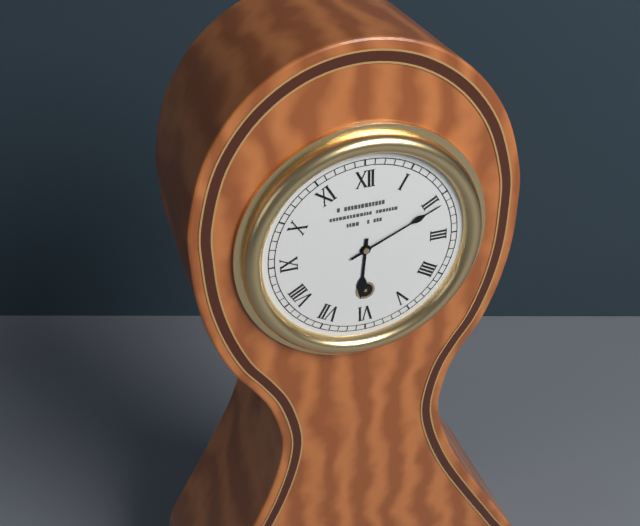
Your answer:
{"hour": 6, "minute": 11}
